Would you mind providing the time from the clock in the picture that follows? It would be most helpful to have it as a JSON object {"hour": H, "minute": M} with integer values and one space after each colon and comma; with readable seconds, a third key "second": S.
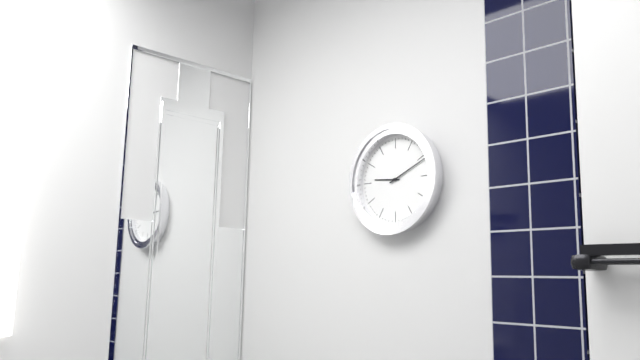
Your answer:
{"hour": 9, "minute": 11}
